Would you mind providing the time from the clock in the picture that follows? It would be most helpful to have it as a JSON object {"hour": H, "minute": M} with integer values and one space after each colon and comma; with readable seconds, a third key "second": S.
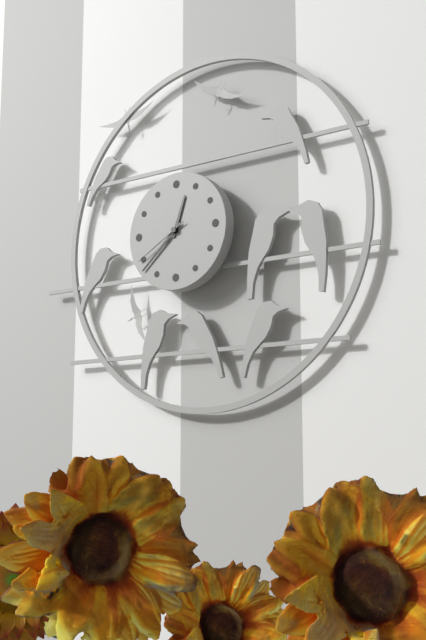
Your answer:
{"hour": 12, "minute": 38, "second": 40}
